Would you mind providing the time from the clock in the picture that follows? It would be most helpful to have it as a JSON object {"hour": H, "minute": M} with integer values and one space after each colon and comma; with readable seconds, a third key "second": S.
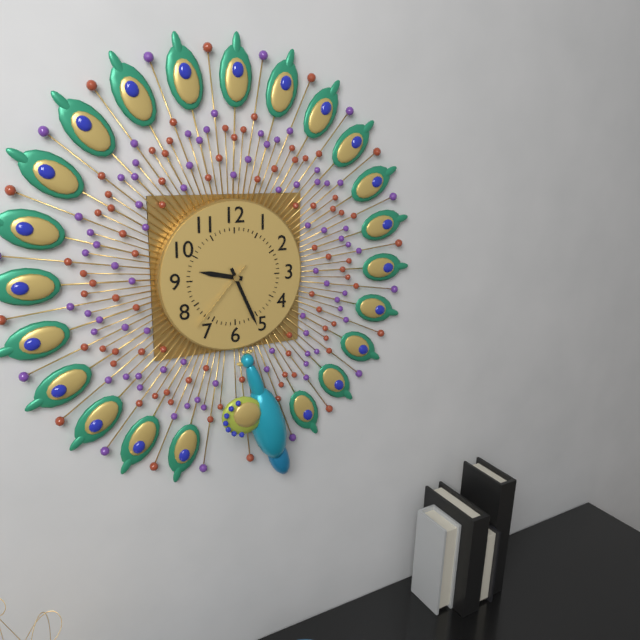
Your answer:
{"hour": 9, "minute": 26, "second": 37}
